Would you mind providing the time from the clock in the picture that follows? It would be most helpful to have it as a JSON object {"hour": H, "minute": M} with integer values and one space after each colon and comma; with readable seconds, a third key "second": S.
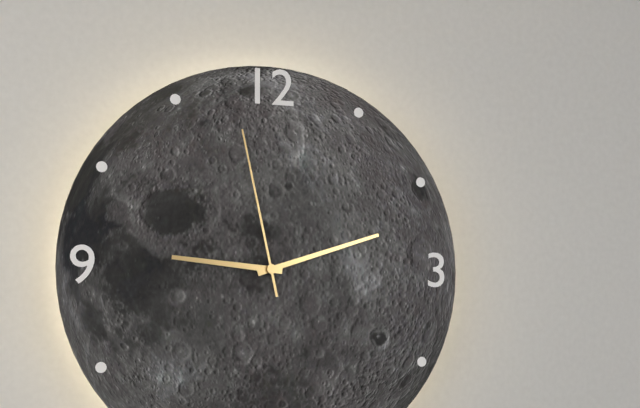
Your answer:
{"hour": 9, "minute": 12, "second": 58}
